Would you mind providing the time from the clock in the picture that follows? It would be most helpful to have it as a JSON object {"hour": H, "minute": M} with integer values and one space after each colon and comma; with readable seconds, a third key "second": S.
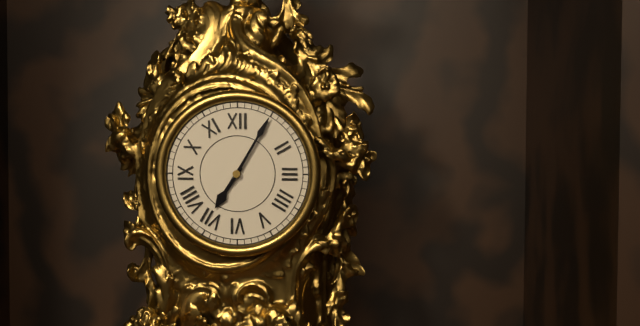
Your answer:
{"hour": 7, "minute": 5}
